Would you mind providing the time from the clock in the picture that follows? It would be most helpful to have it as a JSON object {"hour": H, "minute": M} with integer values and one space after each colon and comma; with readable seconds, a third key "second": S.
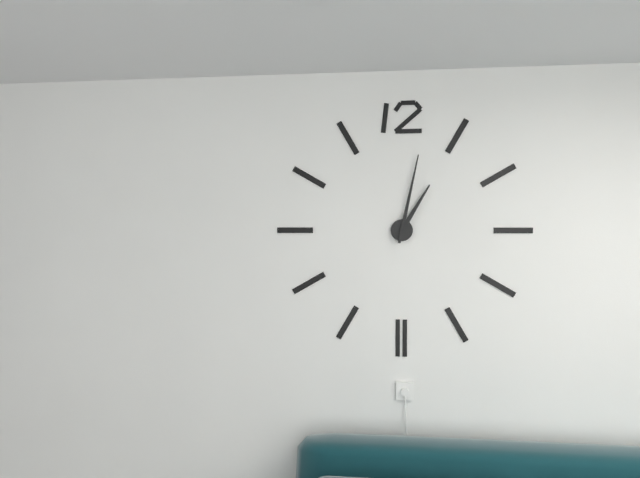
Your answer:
{"hour": 1, "minute": 2}
